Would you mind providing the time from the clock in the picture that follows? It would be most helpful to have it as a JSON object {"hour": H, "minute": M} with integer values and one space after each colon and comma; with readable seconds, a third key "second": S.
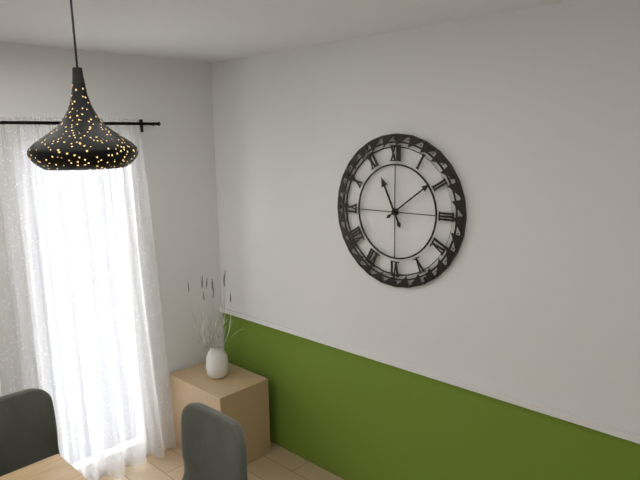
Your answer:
{"hour": 11, "minute": 9}
